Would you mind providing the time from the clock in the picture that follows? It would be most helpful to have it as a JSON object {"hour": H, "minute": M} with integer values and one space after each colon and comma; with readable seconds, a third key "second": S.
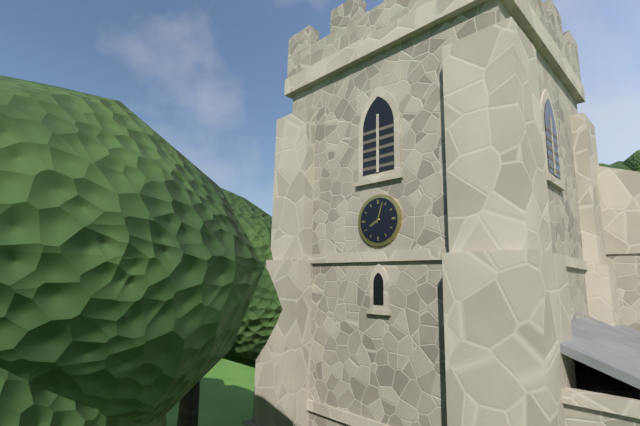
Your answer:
{"hour": 8, "minute": 3}
